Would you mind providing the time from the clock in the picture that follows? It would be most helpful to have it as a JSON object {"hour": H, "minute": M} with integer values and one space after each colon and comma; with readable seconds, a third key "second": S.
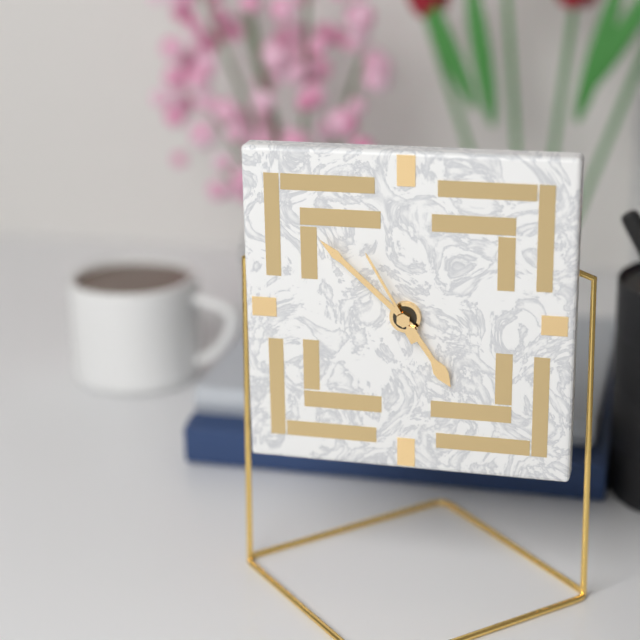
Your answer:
{"hour": 4, "minute": 52, "second": 55}
